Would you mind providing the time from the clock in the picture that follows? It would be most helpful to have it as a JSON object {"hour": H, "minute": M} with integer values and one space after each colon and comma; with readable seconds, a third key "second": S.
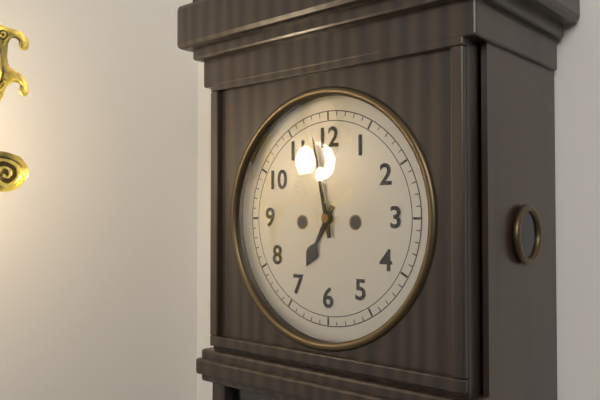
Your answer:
{"hour": 6, "minute": 58}
